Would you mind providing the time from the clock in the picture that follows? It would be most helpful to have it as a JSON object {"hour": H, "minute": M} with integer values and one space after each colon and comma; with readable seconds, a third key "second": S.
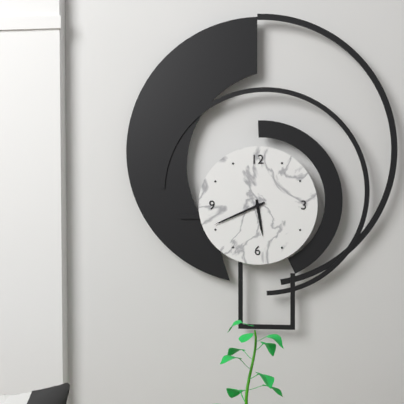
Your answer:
{"hour": 5, "minute": 41}
